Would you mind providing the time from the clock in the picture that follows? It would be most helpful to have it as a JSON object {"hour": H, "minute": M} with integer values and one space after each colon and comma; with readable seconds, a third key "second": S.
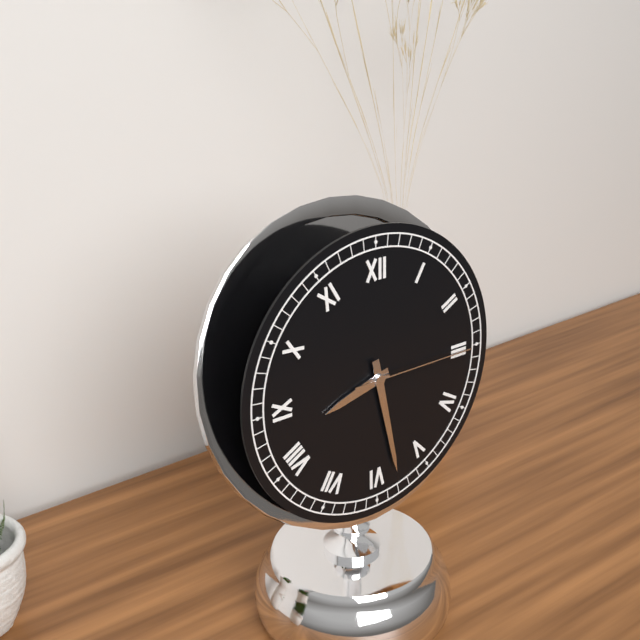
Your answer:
{"hour": 8, "minute": 28, "second": 15}
